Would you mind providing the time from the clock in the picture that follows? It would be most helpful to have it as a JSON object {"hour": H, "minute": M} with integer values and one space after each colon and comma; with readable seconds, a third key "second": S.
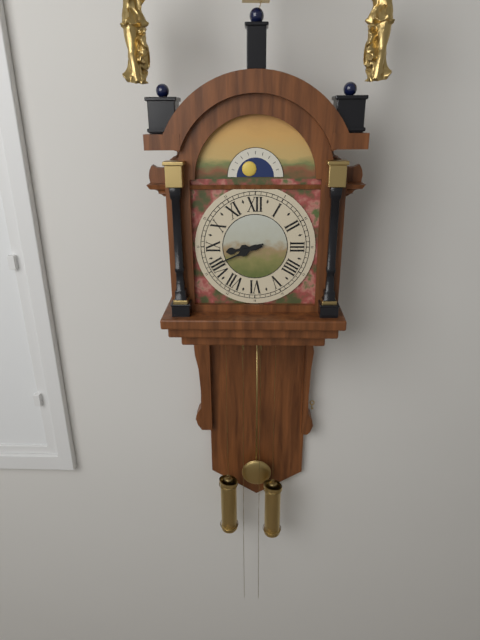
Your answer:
{"hour": 8, "minute": 41}
